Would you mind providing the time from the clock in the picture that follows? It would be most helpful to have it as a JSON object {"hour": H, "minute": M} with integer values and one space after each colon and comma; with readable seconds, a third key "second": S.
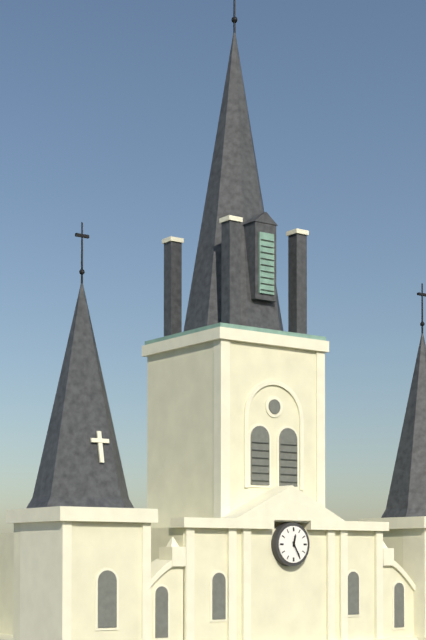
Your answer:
{"hour": 12, "minute": 25}
